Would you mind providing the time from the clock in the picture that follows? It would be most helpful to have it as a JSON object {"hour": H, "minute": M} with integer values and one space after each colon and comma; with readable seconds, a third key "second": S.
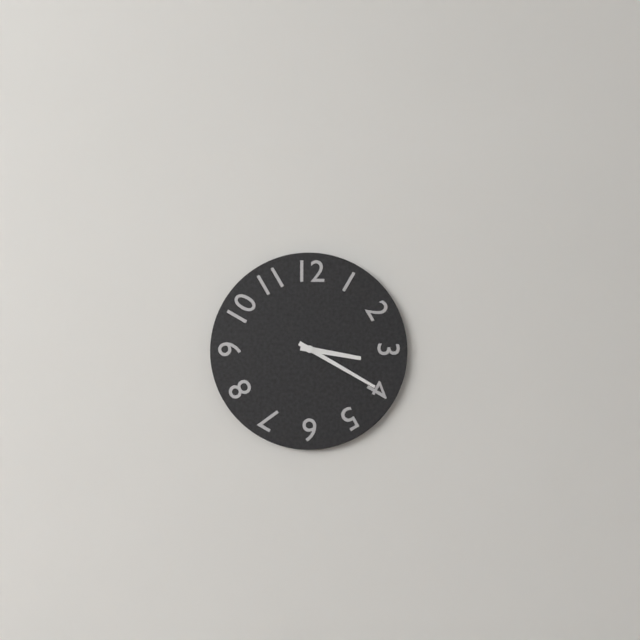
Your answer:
{"hour": 3, "minute": 20}
